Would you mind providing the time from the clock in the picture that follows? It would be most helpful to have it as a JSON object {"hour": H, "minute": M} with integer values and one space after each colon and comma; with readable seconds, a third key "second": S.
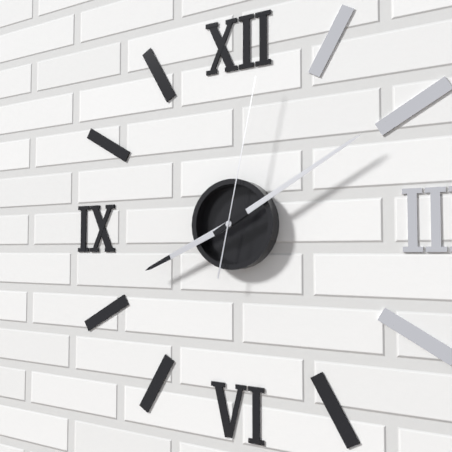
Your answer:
{"hour": 8, "minute": 10, "second": 2}
